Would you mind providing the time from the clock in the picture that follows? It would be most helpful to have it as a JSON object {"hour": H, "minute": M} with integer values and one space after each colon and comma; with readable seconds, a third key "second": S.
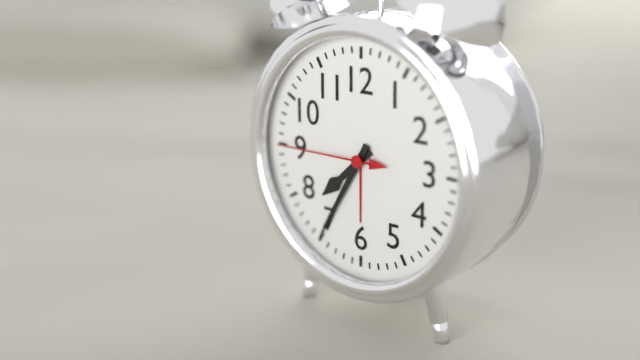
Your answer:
{"hour": 7, "minute": 35, "second": 45}
